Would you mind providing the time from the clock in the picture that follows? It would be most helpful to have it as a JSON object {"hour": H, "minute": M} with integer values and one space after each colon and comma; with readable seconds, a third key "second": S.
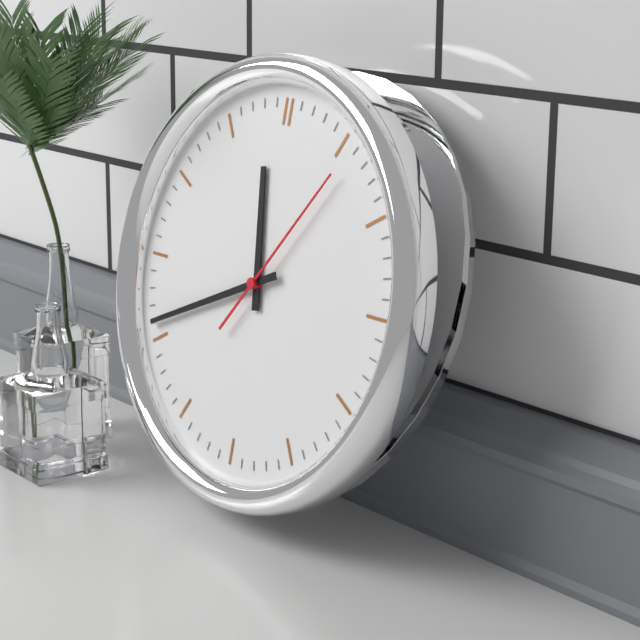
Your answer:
{"hour": 11, "minute": 41, "second": 6}
